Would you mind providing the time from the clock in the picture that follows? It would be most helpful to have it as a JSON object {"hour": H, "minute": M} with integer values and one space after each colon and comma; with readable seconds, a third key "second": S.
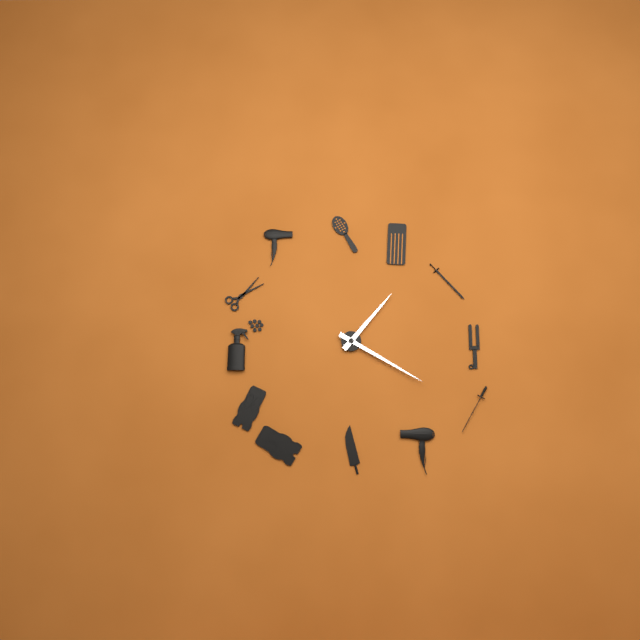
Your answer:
{"hour": 1, "minute": 20}
